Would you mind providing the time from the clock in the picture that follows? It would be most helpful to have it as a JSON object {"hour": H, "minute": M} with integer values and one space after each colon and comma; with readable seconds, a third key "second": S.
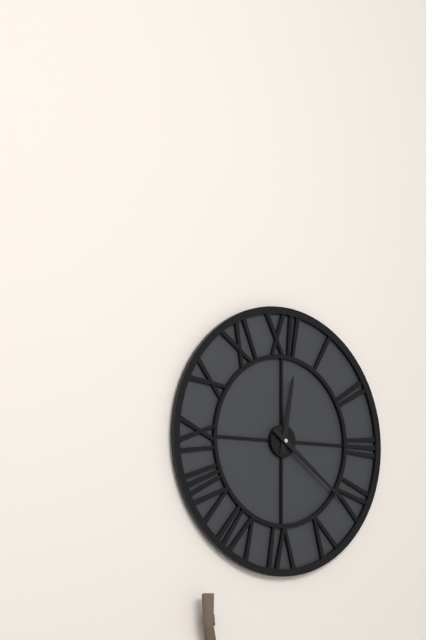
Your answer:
{"hour": 12, "minute": 21}
